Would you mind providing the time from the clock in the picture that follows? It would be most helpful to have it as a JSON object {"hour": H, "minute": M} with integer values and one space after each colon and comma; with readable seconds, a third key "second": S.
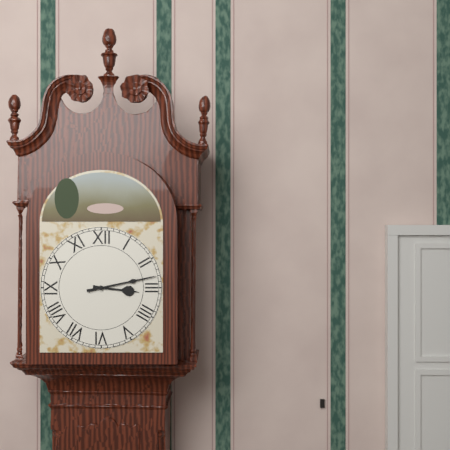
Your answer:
{"hour": 3, "minute": 13}
